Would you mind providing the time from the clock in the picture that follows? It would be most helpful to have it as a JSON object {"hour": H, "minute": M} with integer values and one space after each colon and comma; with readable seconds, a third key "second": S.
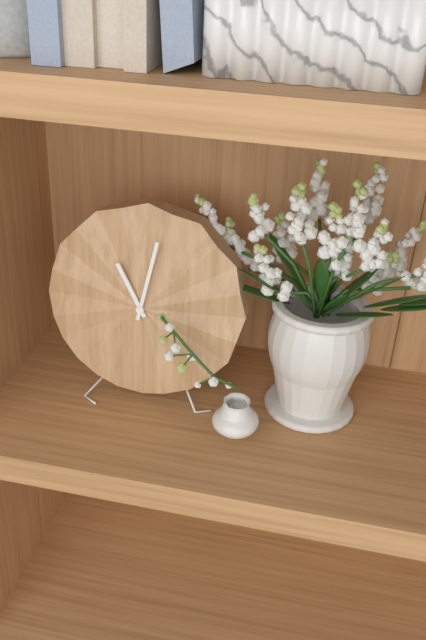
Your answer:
{"hour": 11, "minute": 2}
